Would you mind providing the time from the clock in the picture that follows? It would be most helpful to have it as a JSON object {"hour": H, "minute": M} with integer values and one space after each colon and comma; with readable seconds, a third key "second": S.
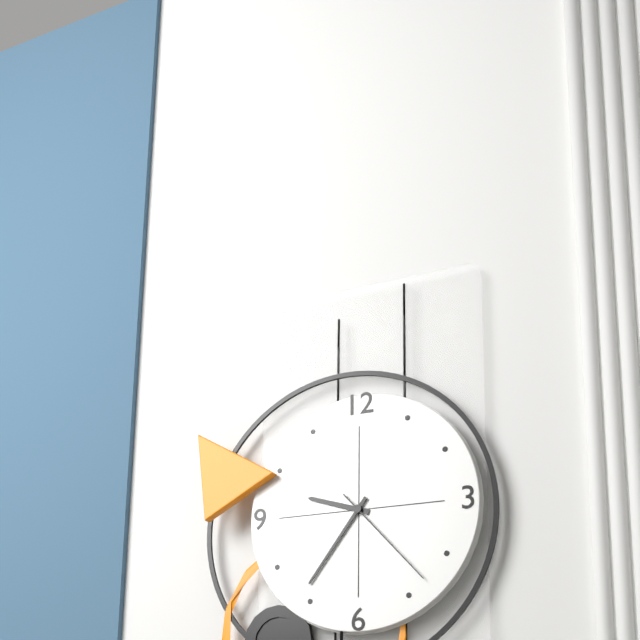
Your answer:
{"hour": 9, "minute": 36, "second": 23}
